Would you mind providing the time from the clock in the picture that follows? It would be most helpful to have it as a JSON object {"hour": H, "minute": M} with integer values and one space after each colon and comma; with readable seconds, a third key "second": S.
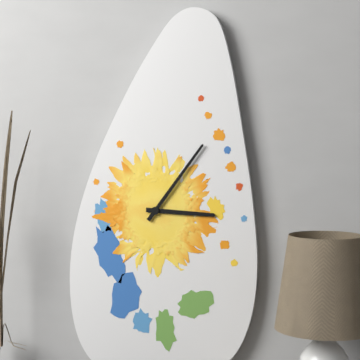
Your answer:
{"hour": 3, "minute": 6}
